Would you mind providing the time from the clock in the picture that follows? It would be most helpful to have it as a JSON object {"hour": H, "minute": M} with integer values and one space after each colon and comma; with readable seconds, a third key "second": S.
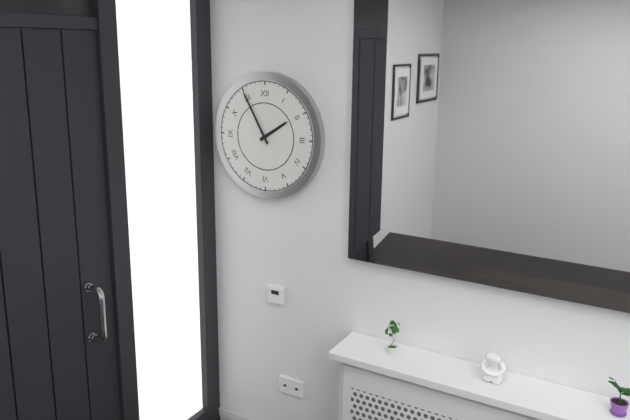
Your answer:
{"hour": 1, "minute": 55}
